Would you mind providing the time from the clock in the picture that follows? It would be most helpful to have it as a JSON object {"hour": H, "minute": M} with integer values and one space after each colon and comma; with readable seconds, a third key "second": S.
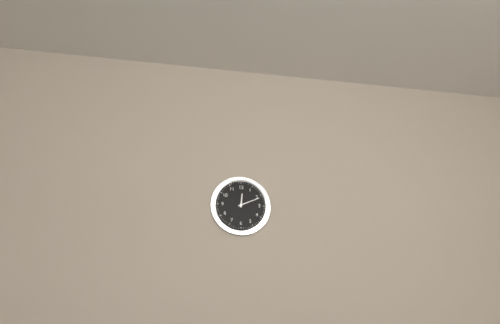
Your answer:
{"hour": 12, "minute": 11}
